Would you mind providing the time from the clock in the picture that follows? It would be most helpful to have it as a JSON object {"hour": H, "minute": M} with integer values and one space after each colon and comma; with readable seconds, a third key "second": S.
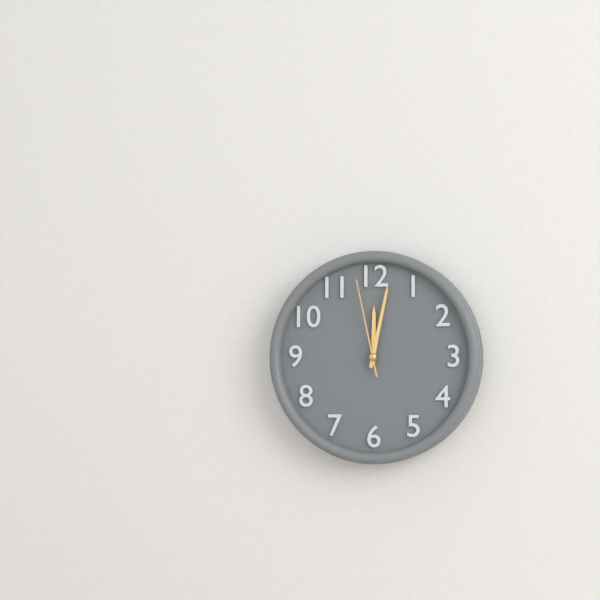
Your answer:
{"hour": 12, "minute": 2, "second": 58}
